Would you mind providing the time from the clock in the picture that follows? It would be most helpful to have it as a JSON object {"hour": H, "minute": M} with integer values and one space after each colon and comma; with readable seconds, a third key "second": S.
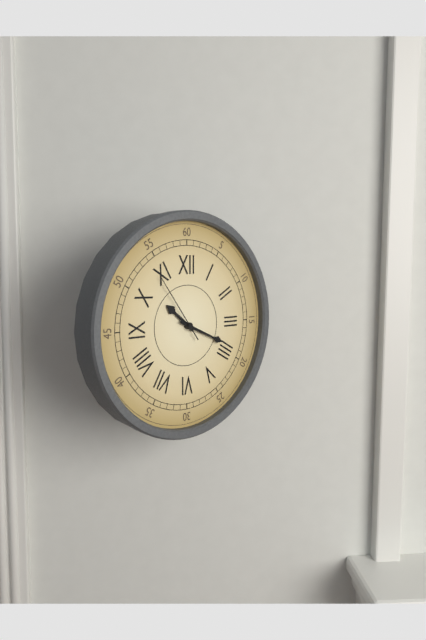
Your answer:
{"hour": 10, "minute": 19, "second": 54}
